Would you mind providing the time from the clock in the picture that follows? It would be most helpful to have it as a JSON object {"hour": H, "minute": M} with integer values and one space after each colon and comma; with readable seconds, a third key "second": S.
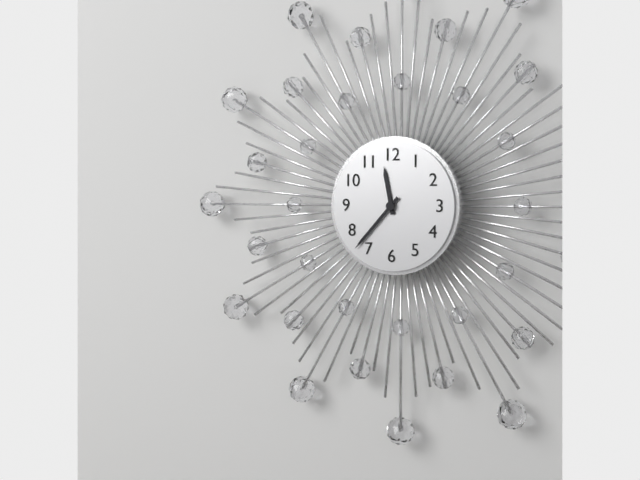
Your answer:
{"hour": 11, "minute": 37}
